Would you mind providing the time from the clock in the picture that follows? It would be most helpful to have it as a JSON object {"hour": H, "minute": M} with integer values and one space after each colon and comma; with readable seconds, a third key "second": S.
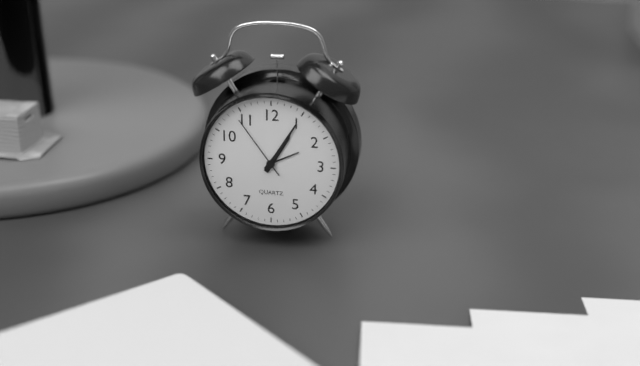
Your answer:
{"hour": 1, "minute": 5, "second": 54}
